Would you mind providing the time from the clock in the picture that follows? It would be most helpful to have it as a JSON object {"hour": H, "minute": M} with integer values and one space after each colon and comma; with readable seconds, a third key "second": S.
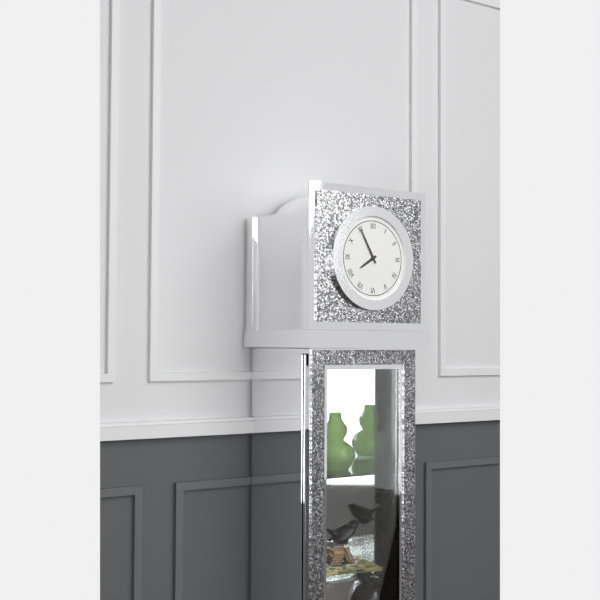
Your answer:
{"hour": 7, "minute": 55}
